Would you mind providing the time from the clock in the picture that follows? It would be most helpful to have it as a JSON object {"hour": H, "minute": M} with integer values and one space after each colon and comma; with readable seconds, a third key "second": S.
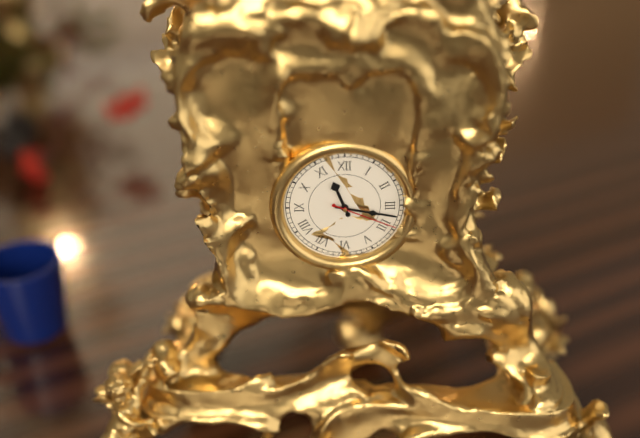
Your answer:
{"hour": 11, "minute": 17, "second": 19}
